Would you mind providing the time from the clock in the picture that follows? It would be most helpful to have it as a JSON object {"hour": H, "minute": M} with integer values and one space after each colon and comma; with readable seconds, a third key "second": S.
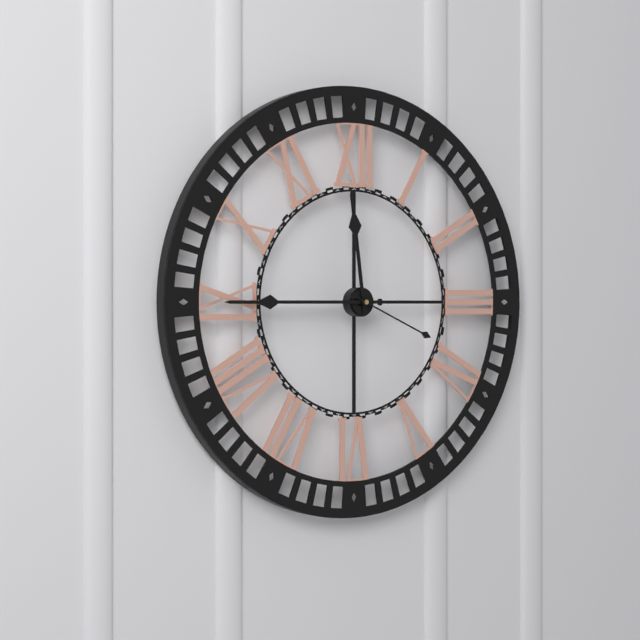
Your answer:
{"hour": 11, "minute": 45, "second": 19}
